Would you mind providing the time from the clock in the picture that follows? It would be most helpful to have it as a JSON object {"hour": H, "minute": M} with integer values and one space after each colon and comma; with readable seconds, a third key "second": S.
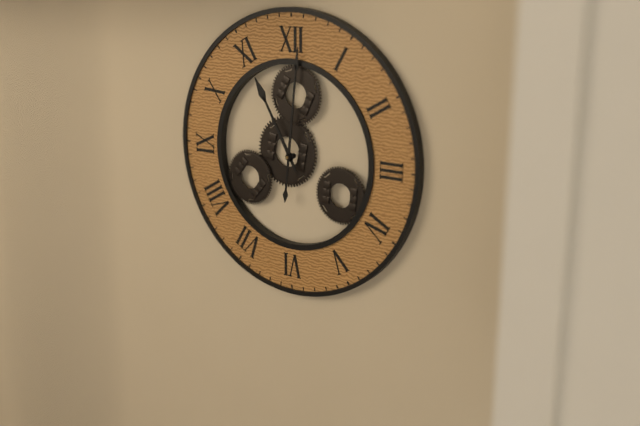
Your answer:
{"hour": 11, "minute": 1}
